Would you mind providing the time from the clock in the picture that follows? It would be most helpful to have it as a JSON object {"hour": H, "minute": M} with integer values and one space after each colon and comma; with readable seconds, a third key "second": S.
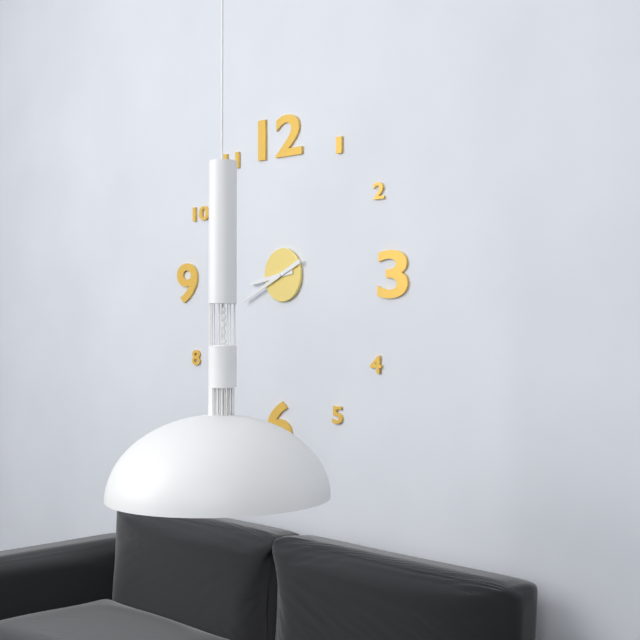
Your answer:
{"hour": 8, "minute": 41}
